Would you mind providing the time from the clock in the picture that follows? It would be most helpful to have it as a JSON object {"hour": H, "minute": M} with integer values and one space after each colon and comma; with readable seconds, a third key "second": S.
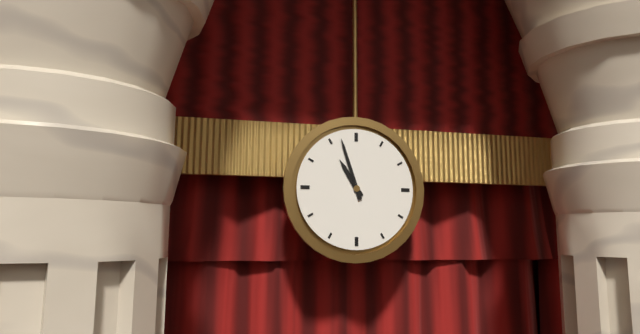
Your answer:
{"hour": 10, "minute": 57}
